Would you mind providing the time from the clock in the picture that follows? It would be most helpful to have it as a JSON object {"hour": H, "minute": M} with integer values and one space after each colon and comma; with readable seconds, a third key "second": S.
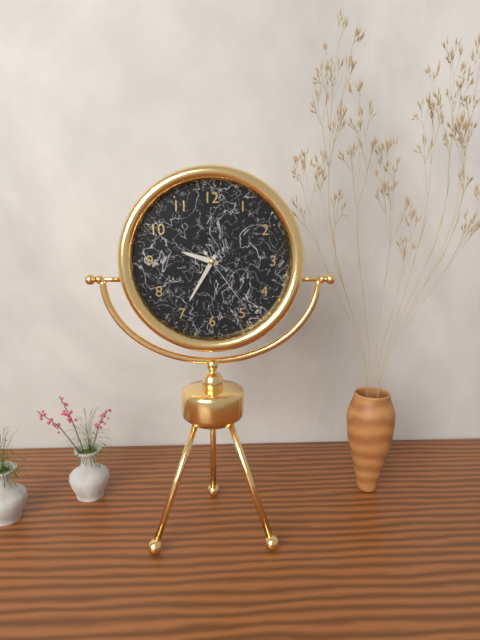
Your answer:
{"hour": 9, "minute": 35, "second": 24}
